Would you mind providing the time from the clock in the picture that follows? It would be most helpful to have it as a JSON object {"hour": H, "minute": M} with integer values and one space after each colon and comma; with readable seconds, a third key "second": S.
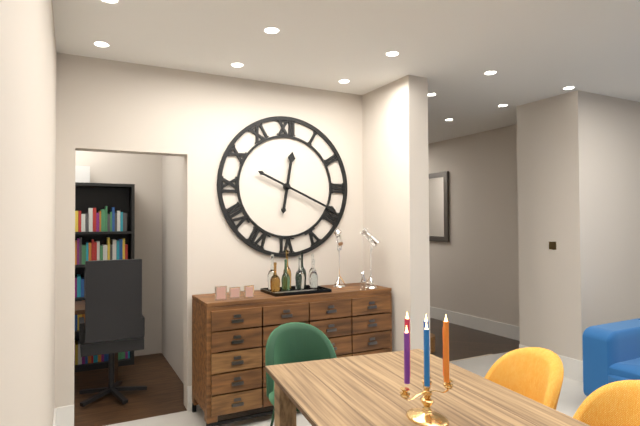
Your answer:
{"hour": 12, "minute": 19}
